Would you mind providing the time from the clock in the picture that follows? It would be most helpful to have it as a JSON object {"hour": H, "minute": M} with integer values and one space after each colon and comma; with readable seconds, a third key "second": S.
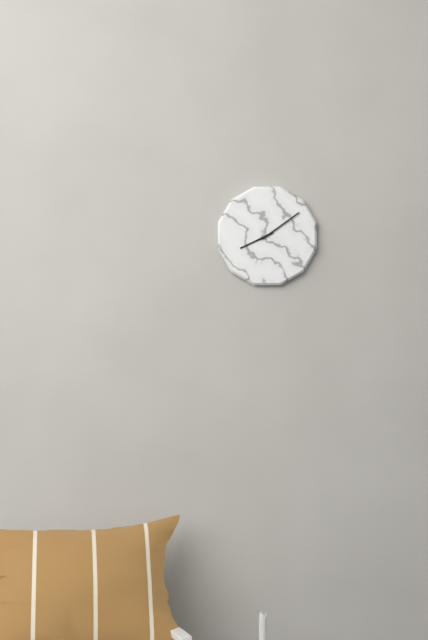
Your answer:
{"hour": 8, "minute": 9}
